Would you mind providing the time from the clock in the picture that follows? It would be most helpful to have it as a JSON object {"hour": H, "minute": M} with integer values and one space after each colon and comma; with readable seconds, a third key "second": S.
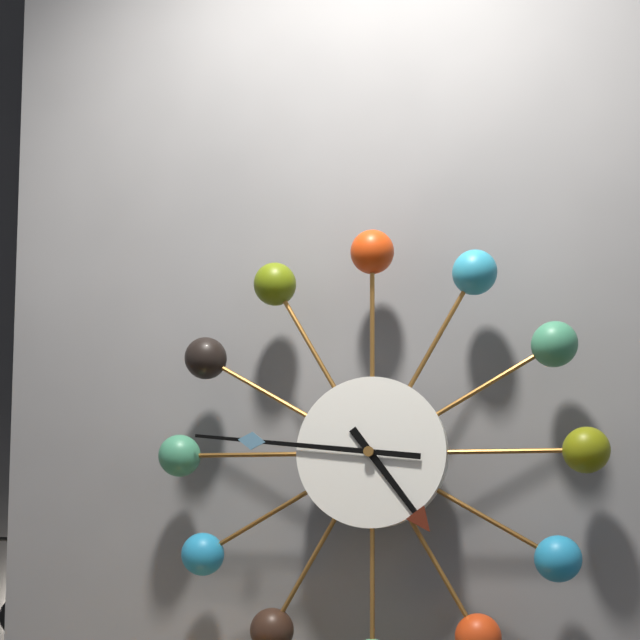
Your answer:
{"hour": 4, "minute": 46}
